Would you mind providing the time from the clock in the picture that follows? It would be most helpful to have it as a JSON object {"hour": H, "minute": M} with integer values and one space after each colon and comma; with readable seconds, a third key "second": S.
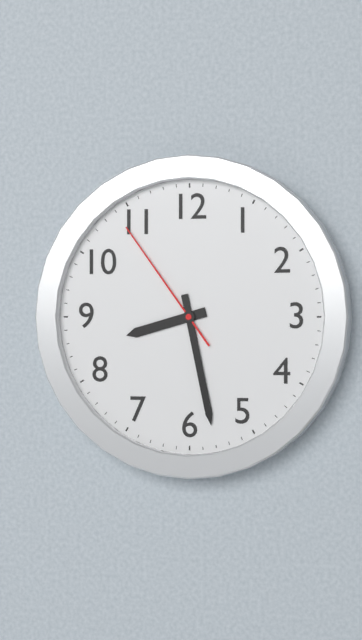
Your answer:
{"hour": 8, "minute": 28, "second": 54}
